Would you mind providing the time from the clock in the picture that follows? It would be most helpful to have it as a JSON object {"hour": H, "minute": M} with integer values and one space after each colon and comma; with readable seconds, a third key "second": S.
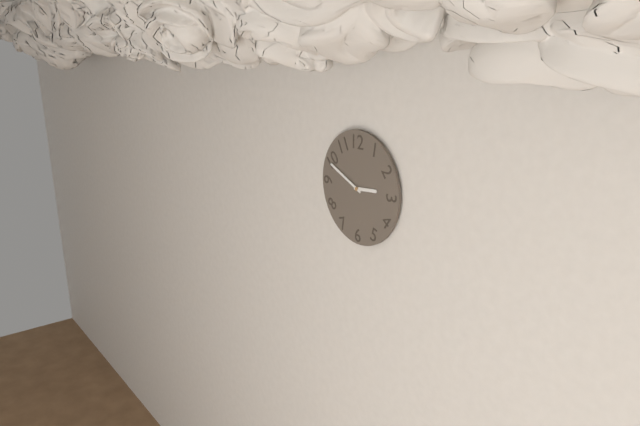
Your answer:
{"hour": 2, "minute": 49}
